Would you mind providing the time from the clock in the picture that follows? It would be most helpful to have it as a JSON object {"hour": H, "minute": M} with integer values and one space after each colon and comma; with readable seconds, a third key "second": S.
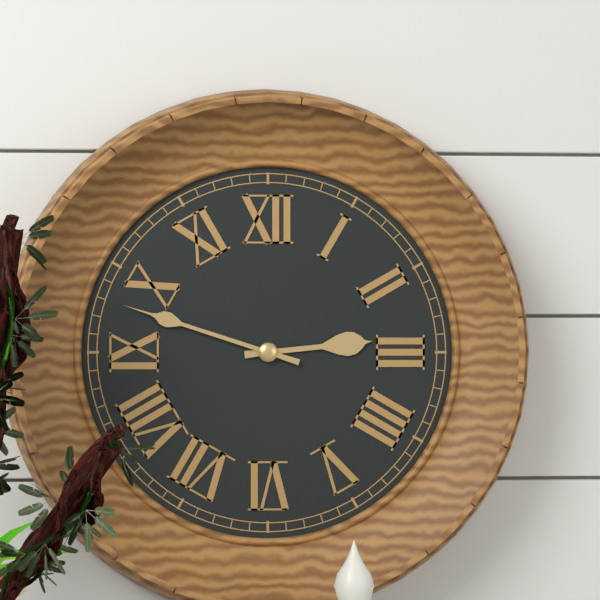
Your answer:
{"hour": 2, "minute": 48}
